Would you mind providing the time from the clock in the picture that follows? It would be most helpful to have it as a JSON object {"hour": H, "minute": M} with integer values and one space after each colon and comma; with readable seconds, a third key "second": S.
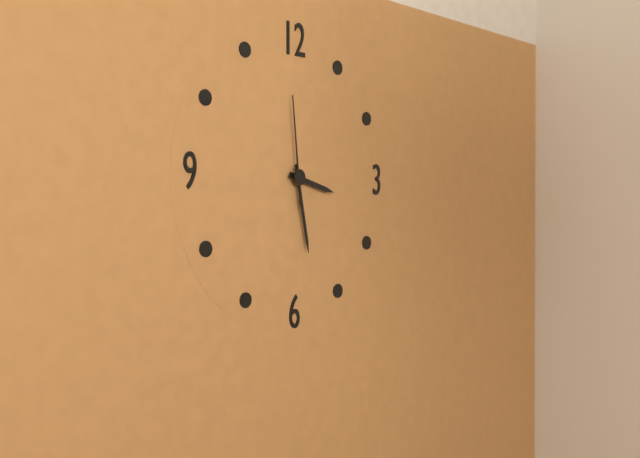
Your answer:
{"hour": 3, "minute": 28, "second": 59}
